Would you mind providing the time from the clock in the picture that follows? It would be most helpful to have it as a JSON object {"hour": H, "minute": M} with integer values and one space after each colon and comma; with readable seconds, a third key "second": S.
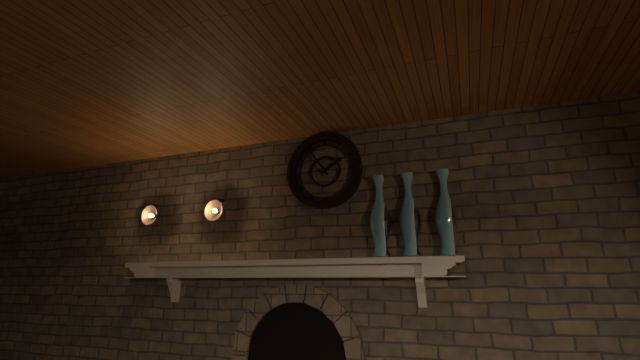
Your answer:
{"hour": 1, "minute": 54}
